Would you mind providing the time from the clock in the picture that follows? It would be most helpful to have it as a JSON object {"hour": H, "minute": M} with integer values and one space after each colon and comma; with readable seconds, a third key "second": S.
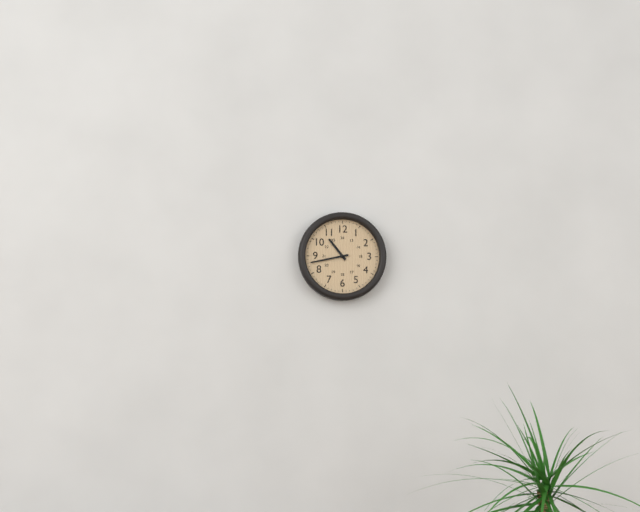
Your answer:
{"hour": 10, "minute": 43}
